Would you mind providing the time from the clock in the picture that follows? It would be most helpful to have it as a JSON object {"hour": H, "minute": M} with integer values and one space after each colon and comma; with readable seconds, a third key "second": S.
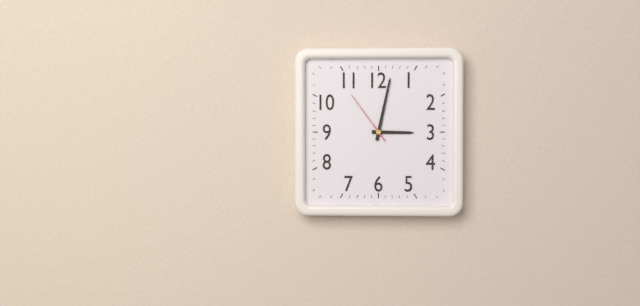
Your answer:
{"hour": 3, "minute": 2, "second": 54}
